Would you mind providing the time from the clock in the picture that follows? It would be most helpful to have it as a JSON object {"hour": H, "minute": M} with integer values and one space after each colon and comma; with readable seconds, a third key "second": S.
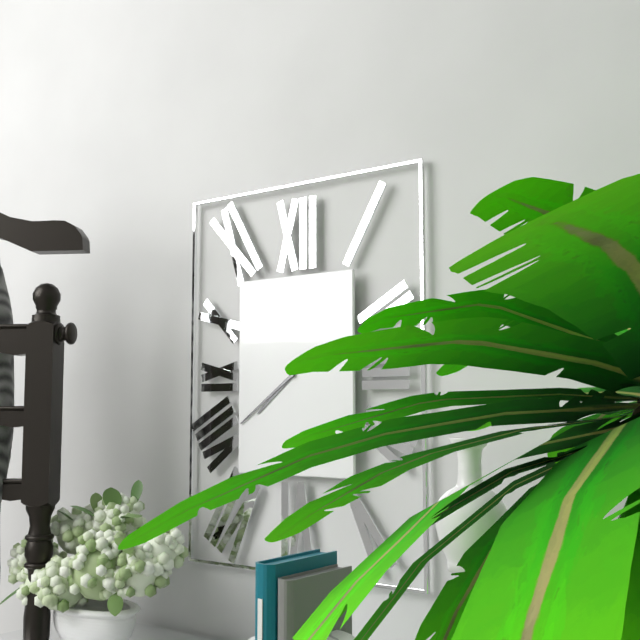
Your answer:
{"hour": 7, "minute": 39}
